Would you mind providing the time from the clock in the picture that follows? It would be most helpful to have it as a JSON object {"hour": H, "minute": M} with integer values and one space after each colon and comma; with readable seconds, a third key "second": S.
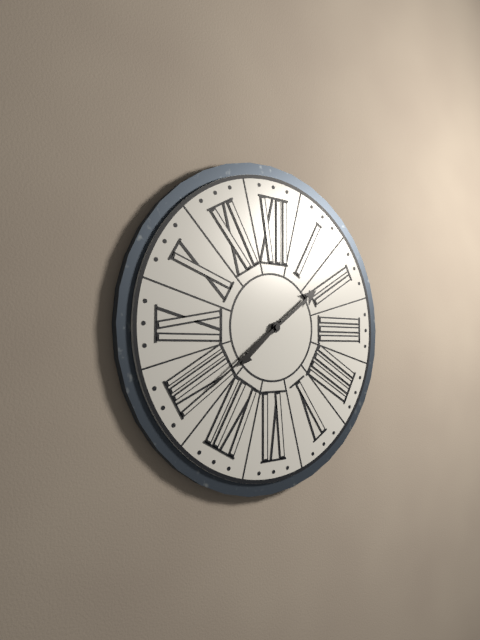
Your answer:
{"hour": 7, "minute": 39}
